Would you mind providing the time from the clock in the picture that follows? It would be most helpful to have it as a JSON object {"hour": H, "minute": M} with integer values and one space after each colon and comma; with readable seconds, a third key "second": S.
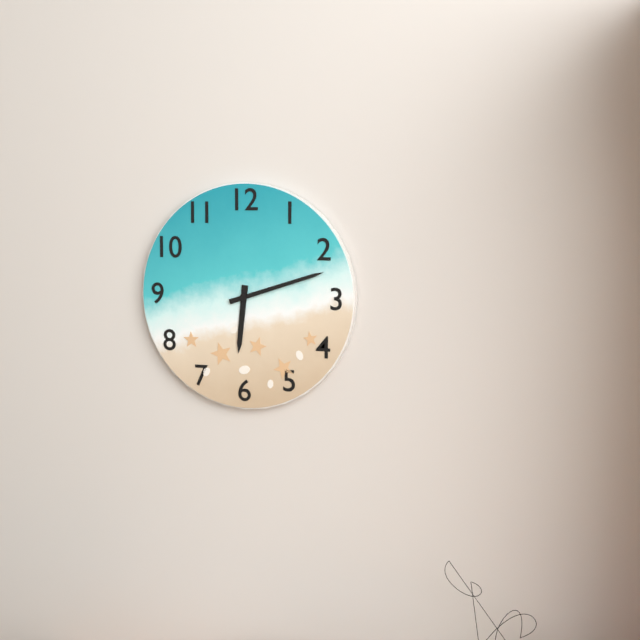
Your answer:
{"hour": 6, "minute": 12}
